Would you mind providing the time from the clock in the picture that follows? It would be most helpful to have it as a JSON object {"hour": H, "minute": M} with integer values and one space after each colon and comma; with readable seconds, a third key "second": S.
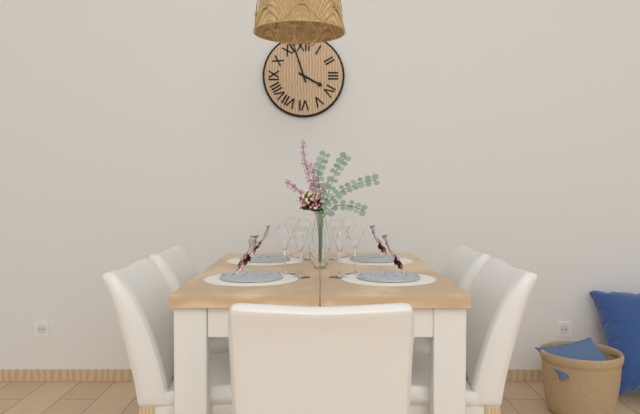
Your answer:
{"hour": 3, "minute": 57}
